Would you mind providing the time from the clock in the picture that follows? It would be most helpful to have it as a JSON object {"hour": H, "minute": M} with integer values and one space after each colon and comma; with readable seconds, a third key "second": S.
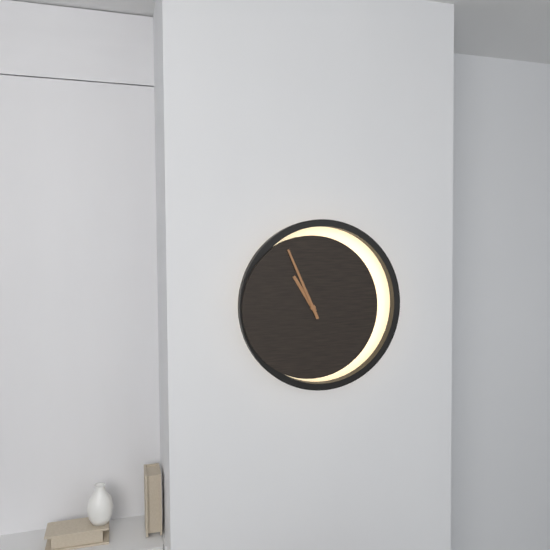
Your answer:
{"hour": 10, "minute": 56}
